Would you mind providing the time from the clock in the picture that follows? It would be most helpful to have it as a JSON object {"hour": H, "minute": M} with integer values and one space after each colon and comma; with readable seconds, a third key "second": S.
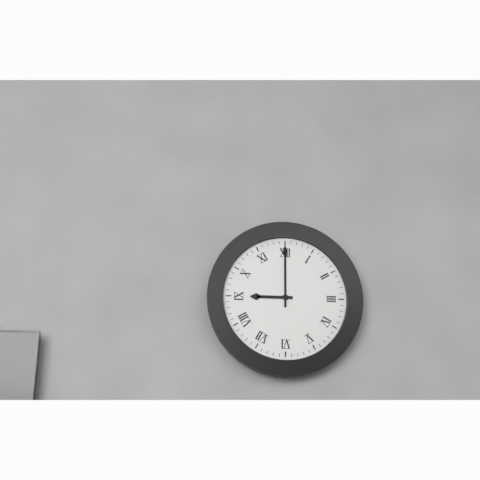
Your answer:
{"hour": 9, "minute": 0}
